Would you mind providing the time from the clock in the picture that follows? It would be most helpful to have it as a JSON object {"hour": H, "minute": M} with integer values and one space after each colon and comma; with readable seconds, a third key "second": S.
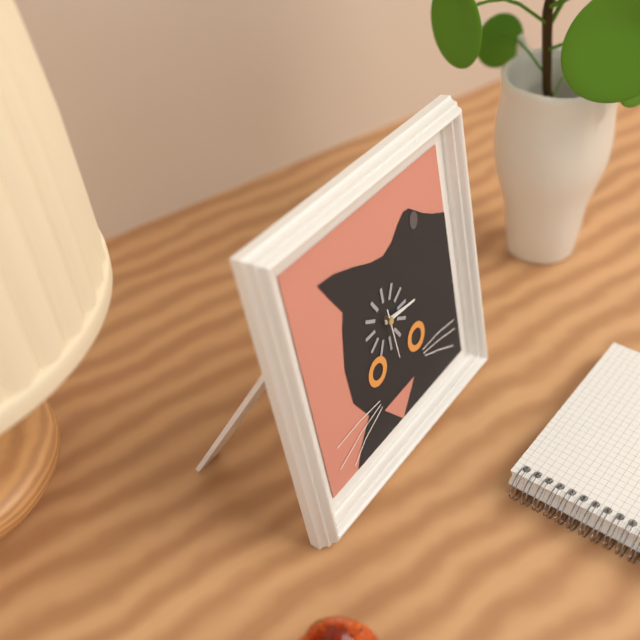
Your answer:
{"hour": 3, "minute": 16, "second": 29}
